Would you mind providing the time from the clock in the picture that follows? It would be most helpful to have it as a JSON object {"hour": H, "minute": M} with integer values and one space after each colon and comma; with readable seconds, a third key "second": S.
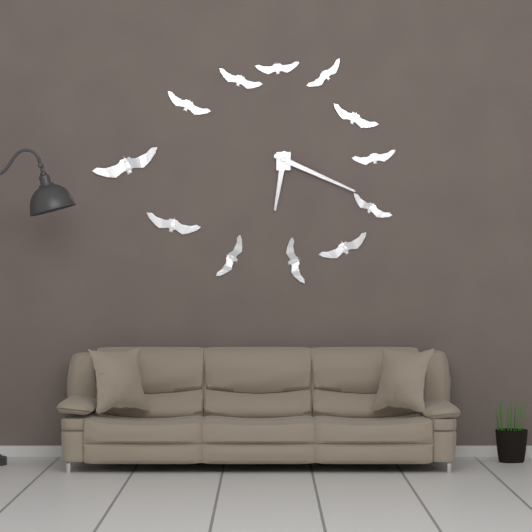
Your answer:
{"hour": 6, "minute": 19}
